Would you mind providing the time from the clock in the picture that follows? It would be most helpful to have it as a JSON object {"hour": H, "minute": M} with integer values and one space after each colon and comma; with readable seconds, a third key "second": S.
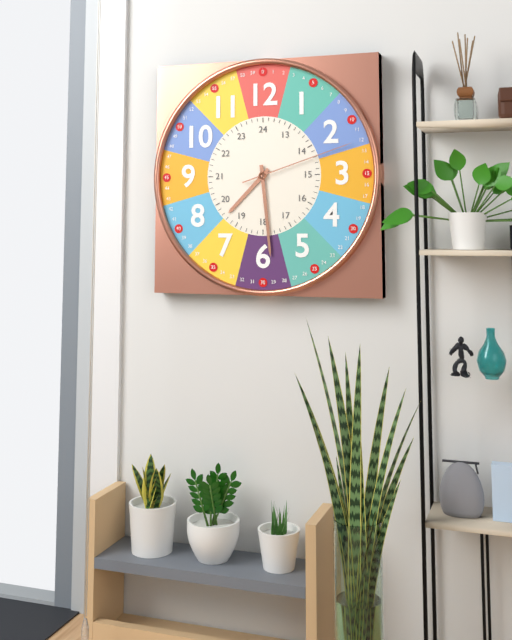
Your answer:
{"hour": 7, "minute": 29, "second": 12}
